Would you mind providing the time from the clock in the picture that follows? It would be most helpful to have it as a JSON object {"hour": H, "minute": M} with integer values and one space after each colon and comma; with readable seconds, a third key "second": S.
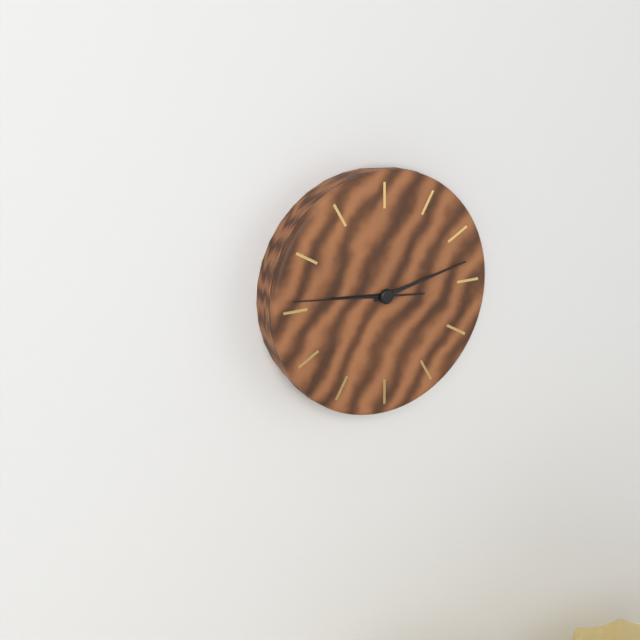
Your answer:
{"hour": 9, "minute": 13, "second": 46}
